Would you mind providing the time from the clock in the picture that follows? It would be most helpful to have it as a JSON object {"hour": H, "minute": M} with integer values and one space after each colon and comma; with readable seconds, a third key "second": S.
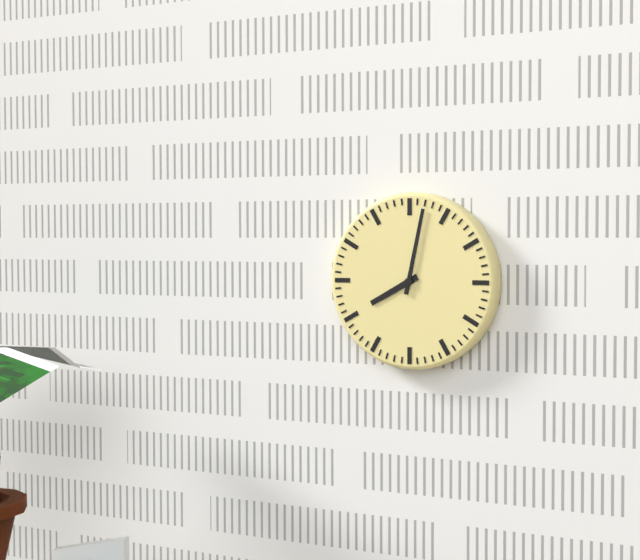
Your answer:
{"hour": 8, "minute": 2}
